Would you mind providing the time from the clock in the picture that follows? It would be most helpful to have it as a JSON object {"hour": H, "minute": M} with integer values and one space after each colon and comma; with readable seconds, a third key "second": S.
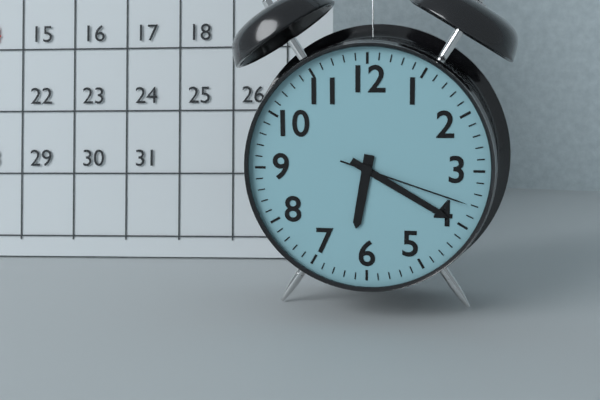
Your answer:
{"hour": 6, "minute": 20, "second": 18}
